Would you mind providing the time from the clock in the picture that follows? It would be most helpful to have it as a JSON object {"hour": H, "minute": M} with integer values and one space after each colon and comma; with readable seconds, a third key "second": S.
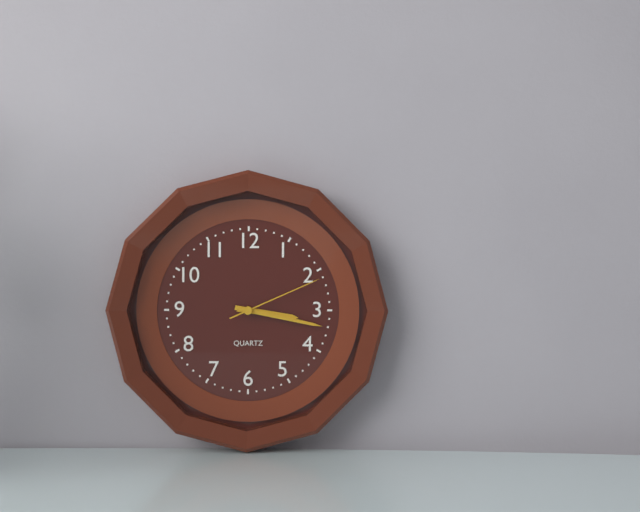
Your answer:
{"hour": 3, "minute": 17, "second": 11}
